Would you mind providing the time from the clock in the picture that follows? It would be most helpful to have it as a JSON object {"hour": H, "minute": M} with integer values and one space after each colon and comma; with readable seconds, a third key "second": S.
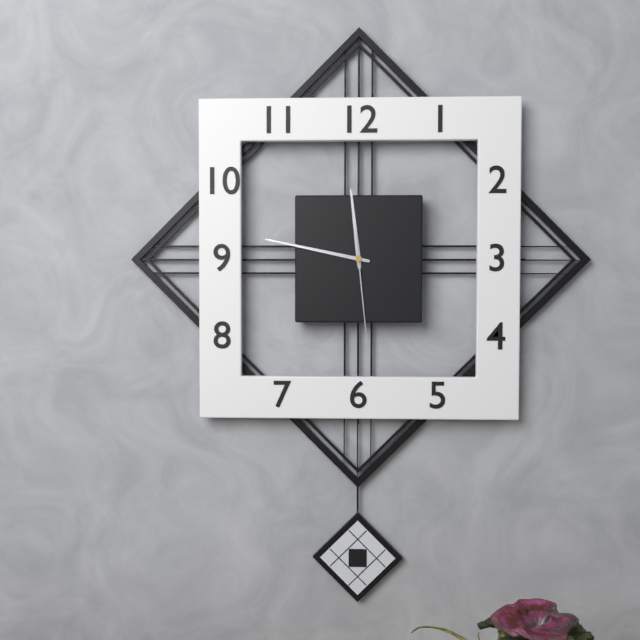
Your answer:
{"hour": 11, "minute": 47, "second": 29}
